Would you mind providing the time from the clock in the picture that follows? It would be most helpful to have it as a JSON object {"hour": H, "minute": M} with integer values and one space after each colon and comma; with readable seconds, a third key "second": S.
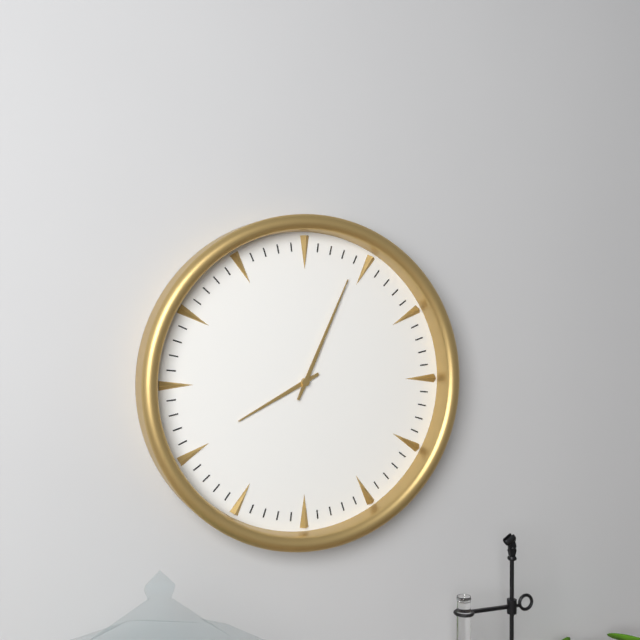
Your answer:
{"hour": 8, "minute": 4}
